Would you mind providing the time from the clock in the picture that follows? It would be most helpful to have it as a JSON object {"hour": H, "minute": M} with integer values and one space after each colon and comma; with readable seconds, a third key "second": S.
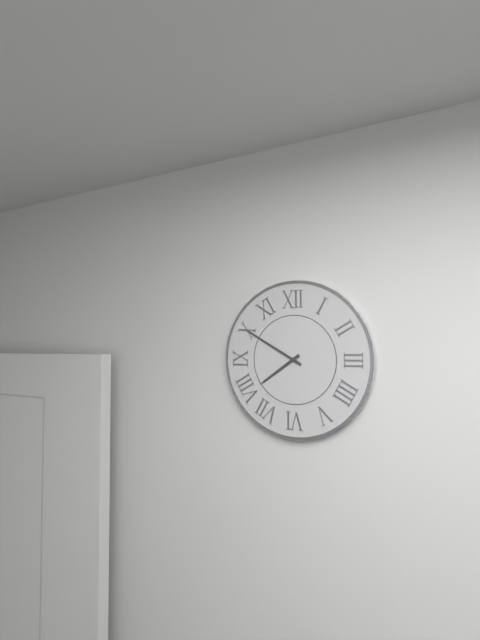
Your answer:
{"hour": 7, "minute": 50}
